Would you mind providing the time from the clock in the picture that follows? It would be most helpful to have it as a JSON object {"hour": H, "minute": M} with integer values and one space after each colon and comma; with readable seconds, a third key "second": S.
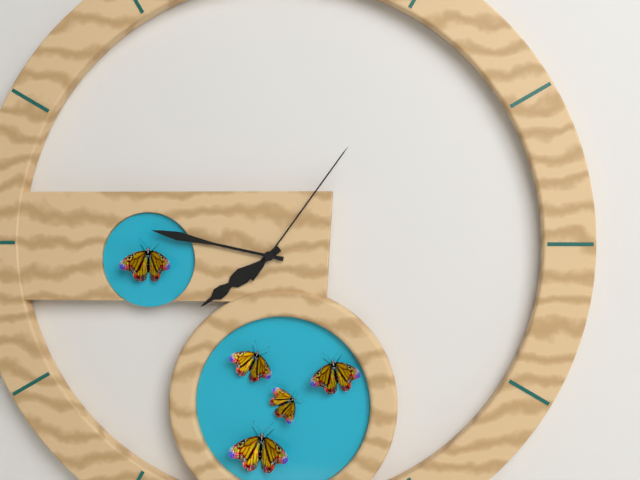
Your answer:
{"hour": 7, "minute": 47, "second": 6}
